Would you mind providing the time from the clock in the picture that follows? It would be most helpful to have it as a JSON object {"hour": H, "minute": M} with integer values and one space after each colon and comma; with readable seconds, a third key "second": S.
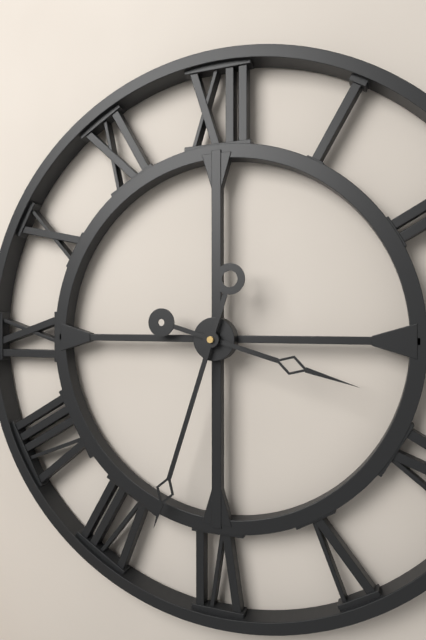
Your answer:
{"hour": 3, "minute": 33}
